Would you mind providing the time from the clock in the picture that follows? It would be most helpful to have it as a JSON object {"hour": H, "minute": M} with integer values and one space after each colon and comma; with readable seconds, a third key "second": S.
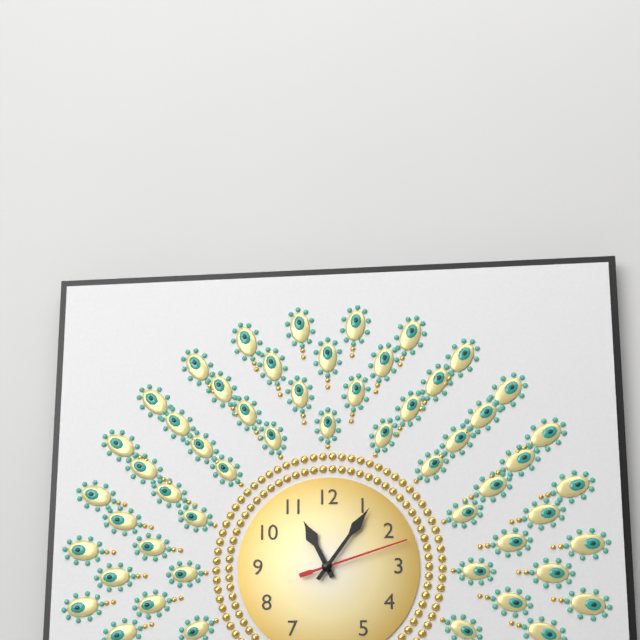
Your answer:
{"hour": 11, "minute": 6, "second": 12}
